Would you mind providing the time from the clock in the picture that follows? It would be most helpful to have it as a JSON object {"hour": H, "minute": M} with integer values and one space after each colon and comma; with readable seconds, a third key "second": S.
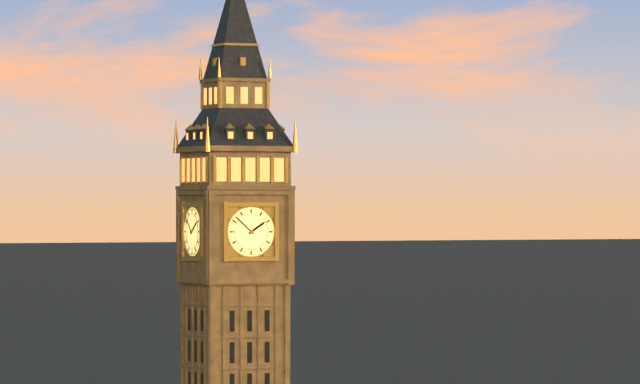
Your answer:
{"hour": 1, "minute": 52}
